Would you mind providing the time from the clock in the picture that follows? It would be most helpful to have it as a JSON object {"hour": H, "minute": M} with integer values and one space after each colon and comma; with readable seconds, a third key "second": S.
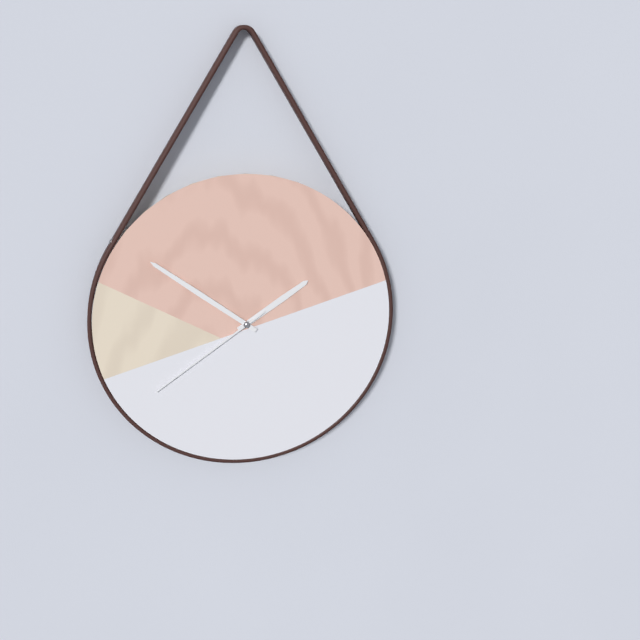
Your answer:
{"hour": 1, "minute": 51, "second": 39}
